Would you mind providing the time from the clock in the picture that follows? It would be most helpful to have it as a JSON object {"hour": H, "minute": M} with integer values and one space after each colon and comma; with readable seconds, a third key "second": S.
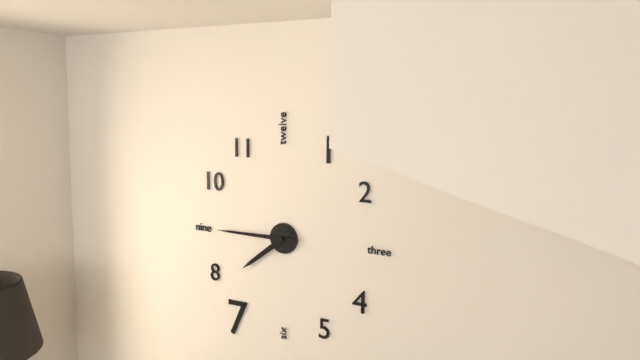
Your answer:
{"hour": 7, "minute": 45}
